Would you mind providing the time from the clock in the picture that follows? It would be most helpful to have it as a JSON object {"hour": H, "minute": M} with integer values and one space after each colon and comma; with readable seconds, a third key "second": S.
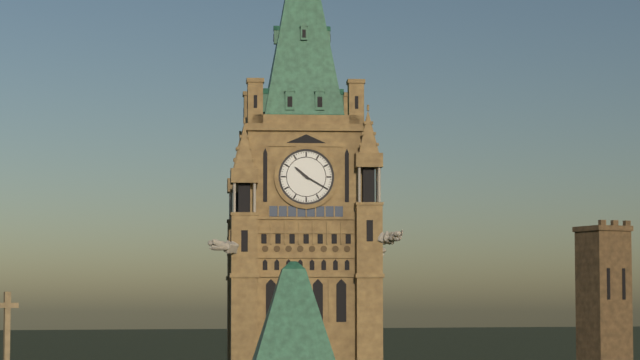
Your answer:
{"hour": 10, "minute": 20}
